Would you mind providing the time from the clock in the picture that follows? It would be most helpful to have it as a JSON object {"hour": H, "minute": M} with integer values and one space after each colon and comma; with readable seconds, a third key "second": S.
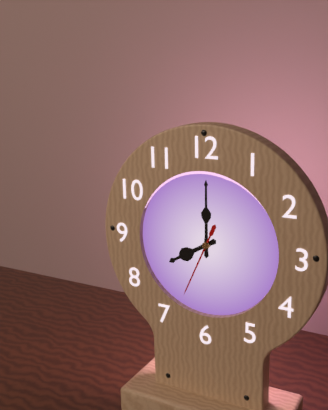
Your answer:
{"hour": 8, "minute": 0, "second": 34}
